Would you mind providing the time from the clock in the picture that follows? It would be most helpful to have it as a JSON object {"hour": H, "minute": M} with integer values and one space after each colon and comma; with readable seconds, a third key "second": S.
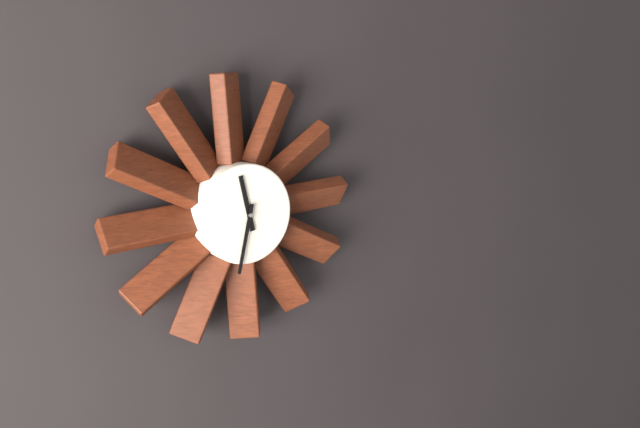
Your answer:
{"hour": 11, "minute": 32}
